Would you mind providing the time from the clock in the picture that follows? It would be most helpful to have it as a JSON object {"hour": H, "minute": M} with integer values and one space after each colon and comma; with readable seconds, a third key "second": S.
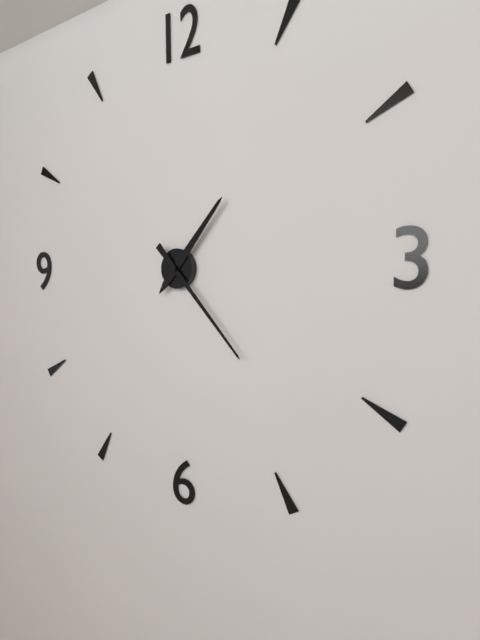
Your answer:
{"hour": 1, "minute": 23}
